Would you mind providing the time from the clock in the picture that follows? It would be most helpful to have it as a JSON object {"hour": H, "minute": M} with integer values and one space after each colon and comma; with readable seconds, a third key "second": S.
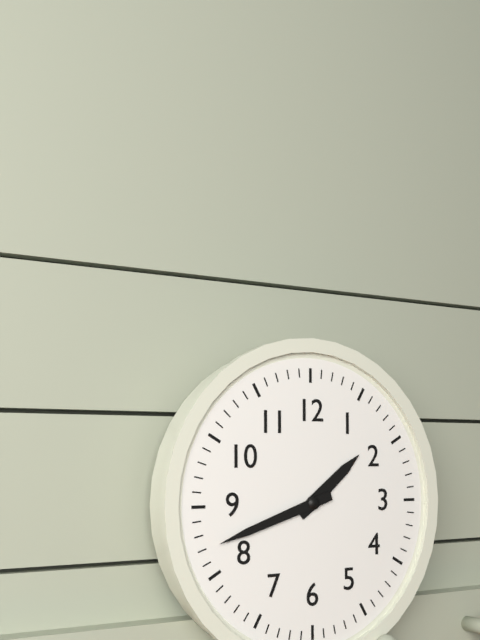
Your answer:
{"hour": 1, "minute": 42}
